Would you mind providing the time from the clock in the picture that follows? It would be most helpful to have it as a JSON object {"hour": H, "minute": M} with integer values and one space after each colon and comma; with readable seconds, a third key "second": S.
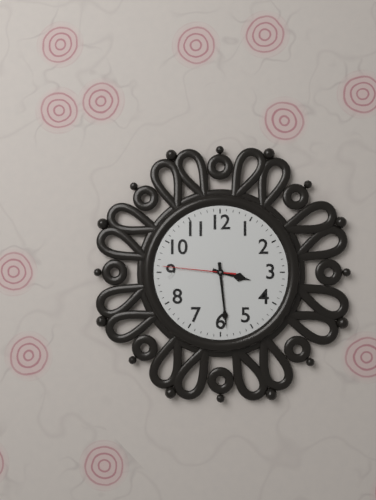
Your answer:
{"hour": 3, "minute": 29, "second": 46}
